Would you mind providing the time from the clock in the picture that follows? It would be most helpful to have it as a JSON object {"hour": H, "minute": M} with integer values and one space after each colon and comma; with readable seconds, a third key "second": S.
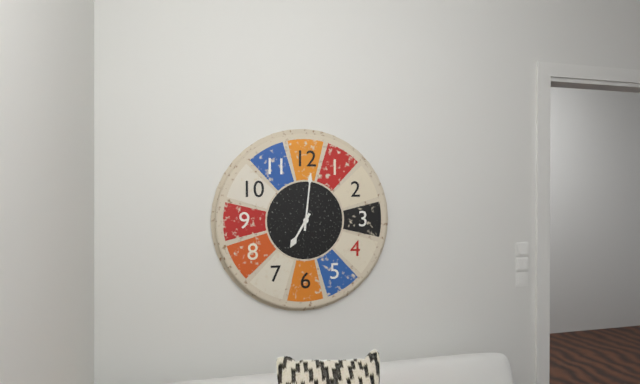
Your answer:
{"hour": 7, "minute": 1}
